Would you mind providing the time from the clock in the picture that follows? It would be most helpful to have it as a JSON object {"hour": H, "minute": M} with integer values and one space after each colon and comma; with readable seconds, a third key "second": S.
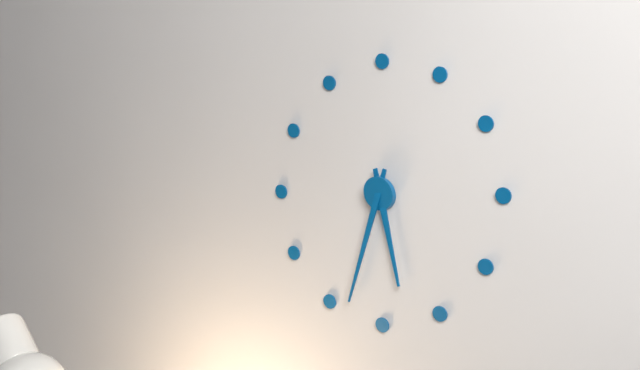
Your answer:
{"hour": 5, "minute": 33}
